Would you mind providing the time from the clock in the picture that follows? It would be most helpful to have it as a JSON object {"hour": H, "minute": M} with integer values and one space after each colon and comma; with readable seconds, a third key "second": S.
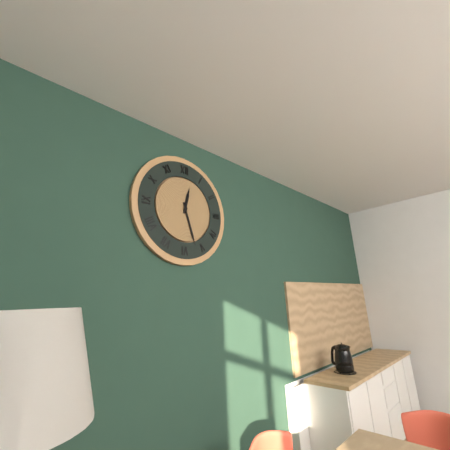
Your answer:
{"hour": 12, "minute": 27}
